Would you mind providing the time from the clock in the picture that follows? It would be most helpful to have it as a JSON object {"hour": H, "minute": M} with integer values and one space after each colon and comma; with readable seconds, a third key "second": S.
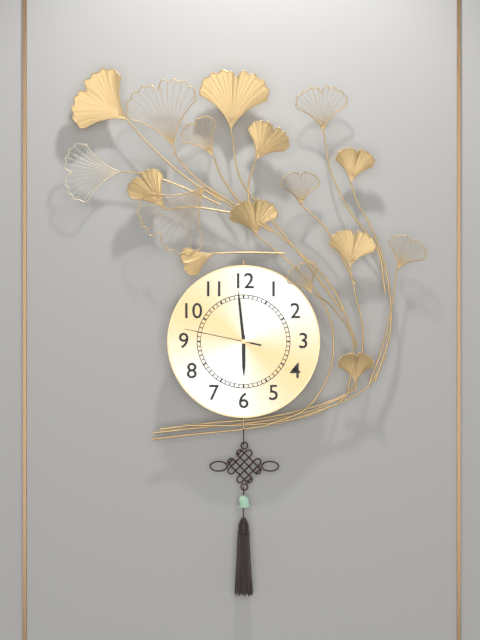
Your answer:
{"hour": 5, "minute": 59, "second": 47}
